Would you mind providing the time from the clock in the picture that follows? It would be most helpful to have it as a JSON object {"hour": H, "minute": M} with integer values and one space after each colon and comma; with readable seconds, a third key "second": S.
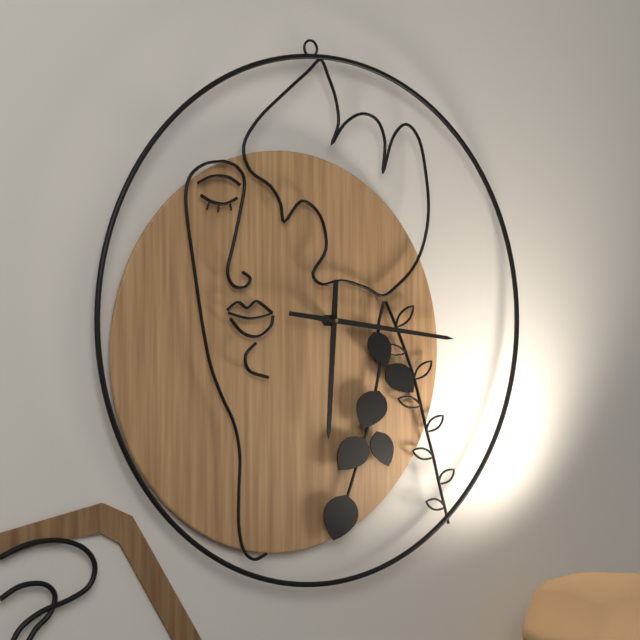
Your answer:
{"hour": 6, "minute": 17}
